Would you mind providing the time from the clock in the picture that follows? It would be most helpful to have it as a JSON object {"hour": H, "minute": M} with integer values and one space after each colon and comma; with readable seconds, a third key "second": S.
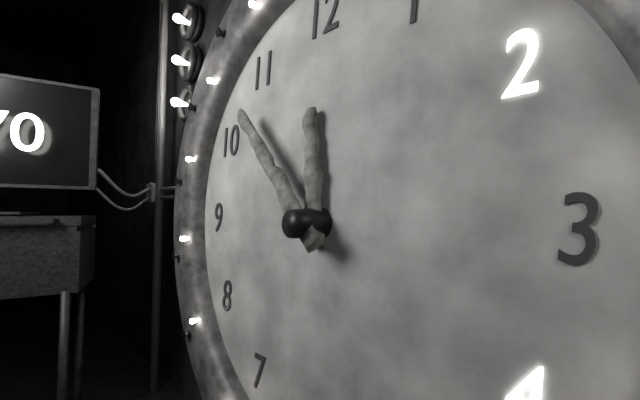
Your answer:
{"hour": 11, "minute": 53}
